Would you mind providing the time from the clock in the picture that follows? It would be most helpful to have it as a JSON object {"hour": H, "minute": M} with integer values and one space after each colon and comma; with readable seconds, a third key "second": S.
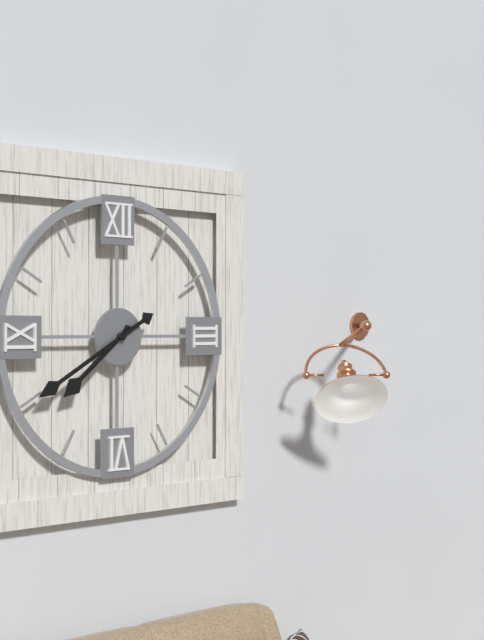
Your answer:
{"hour": 7, "minute": 40}
